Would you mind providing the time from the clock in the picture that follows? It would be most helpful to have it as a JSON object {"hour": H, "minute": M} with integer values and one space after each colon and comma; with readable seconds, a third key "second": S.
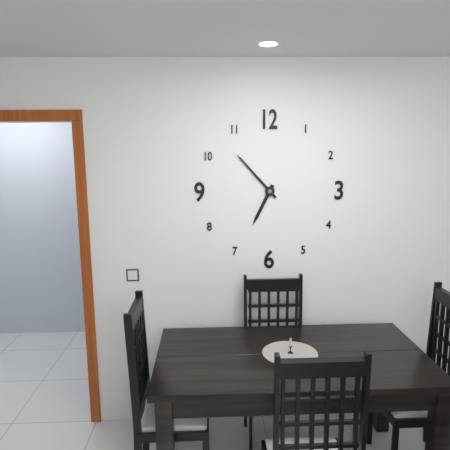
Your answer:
{"hour": 6, "minute": 53}
